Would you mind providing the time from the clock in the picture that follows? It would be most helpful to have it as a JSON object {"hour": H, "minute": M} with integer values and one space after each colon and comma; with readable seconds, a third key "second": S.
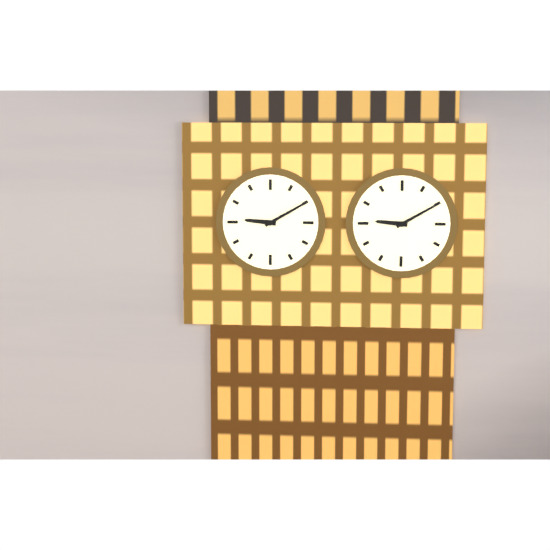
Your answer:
{"hour": 9, "minute": 10}
